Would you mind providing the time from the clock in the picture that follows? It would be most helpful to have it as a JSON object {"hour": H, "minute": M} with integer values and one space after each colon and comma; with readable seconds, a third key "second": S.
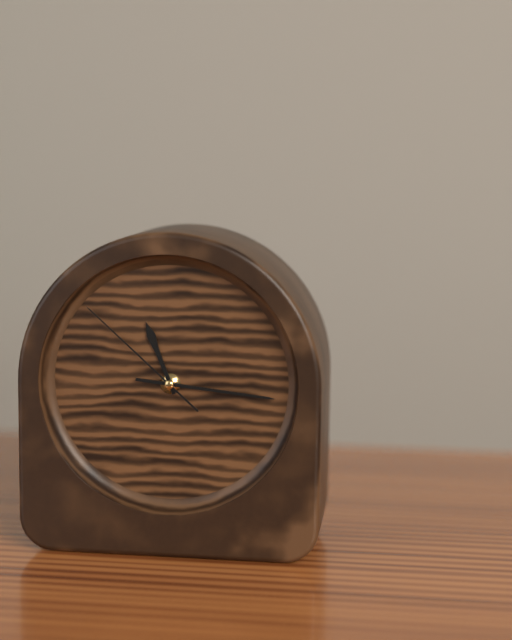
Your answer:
{"hour": 11, "minute": 16, "second": 52}
